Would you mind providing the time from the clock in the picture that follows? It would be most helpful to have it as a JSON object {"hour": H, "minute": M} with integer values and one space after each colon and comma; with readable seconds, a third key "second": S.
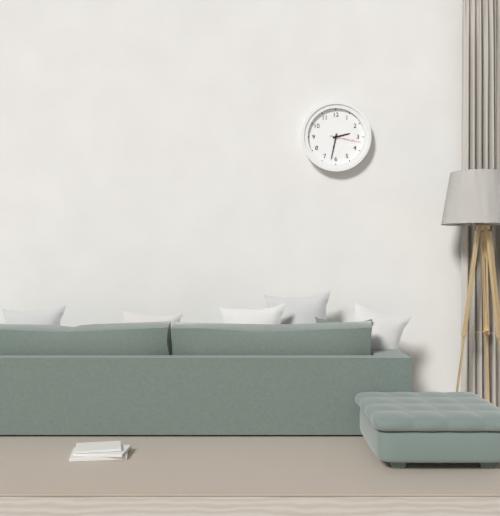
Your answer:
{"hour": 2, "minute": 32}
